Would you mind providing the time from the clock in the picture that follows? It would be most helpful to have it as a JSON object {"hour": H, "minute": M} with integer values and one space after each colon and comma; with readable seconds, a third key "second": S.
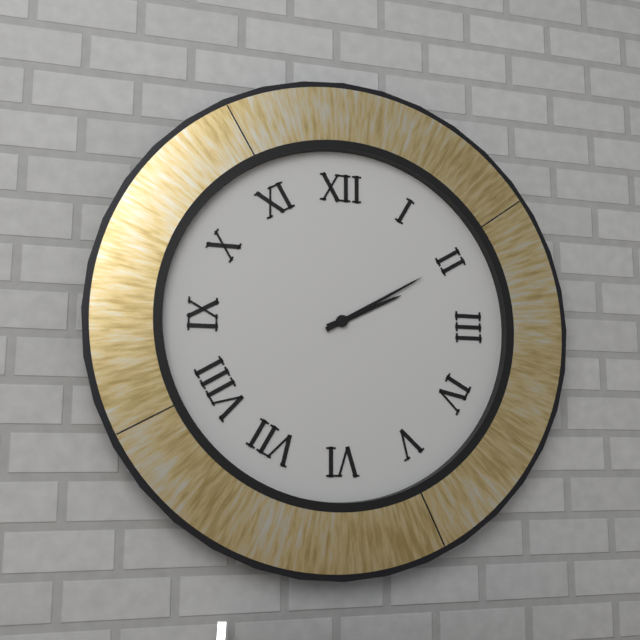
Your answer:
{"hour": 2, "minute": 10}
